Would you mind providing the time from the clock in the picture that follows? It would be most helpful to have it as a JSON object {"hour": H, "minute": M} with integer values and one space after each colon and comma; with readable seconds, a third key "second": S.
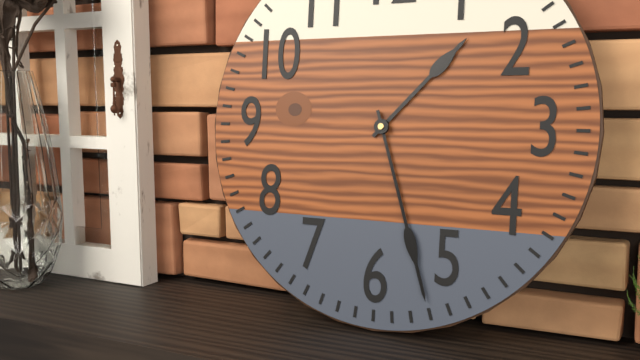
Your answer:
{"hour": 1, "minute": 27}
